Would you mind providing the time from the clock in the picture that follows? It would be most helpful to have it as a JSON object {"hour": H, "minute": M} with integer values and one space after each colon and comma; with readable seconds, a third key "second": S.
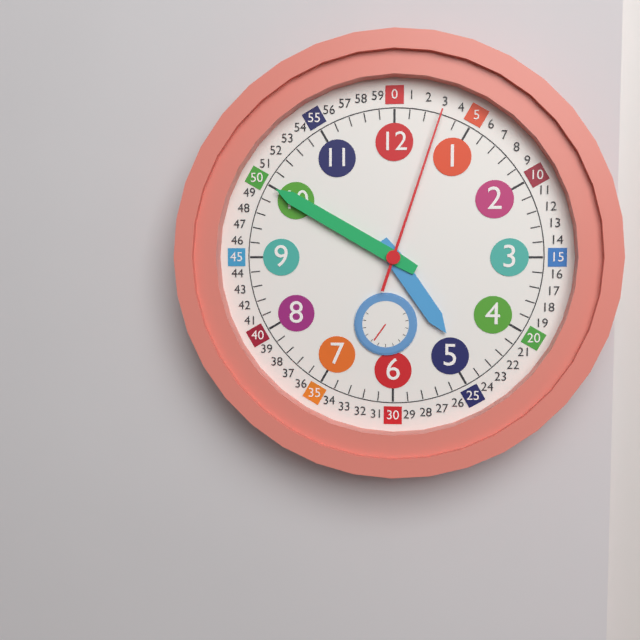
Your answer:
{"hour": 4, "minute": 50, "second": 3}
